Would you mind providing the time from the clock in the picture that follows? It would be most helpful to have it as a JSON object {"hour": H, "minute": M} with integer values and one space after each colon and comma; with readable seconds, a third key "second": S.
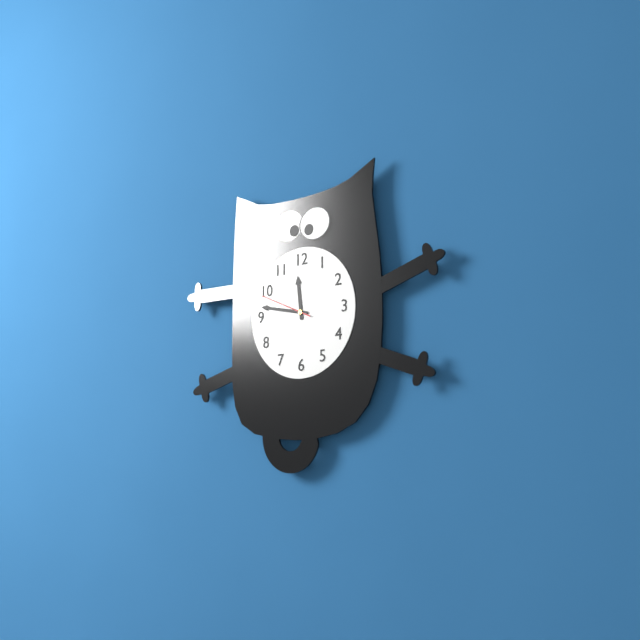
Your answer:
{"hour": 11, "minute": 47, "second": 49}
